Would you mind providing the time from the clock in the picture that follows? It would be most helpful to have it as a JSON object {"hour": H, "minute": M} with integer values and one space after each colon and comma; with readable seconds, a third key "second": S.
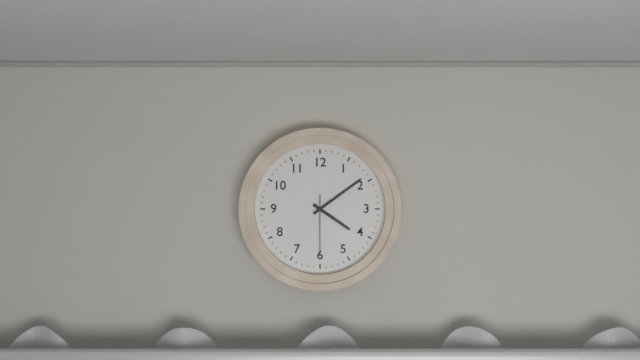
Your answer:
{"hour": 4, "minute": 9, "second": 30}
